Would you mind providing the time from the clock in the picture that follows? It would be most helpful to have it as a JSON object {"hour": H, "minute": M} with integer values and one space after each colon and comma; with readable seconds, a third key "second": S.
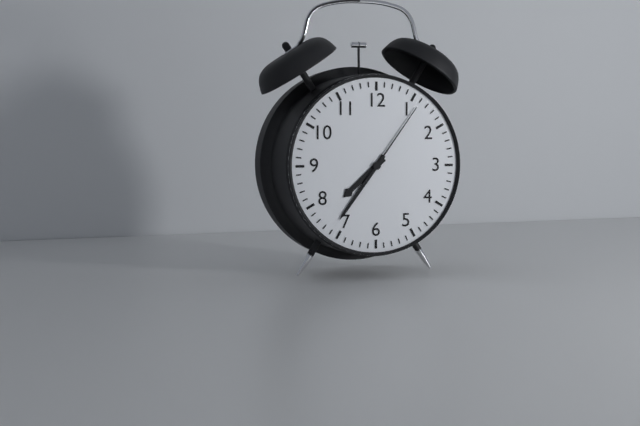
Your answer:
{"hour": 7, "minute": 36, "second": 6}
